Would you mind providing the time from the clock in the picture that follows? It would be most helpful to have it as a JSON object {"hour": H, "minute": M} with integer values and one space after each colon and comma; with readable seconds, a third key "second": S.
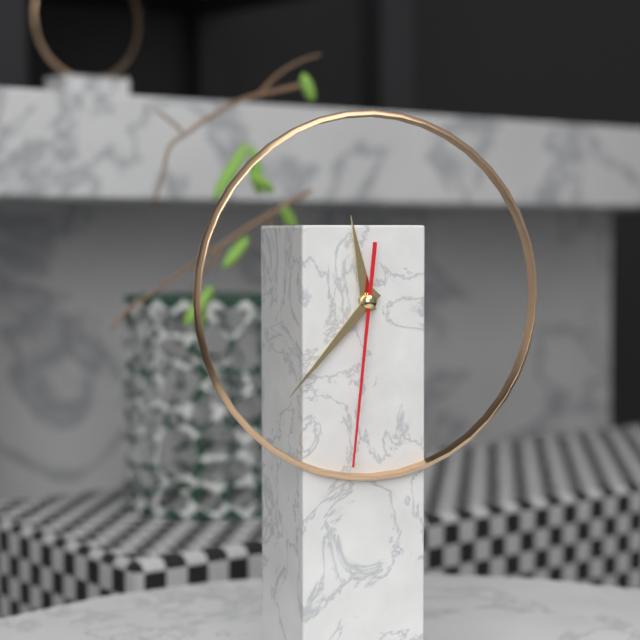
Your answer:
{"hour": 11, "minute": 37, "second": 31}
